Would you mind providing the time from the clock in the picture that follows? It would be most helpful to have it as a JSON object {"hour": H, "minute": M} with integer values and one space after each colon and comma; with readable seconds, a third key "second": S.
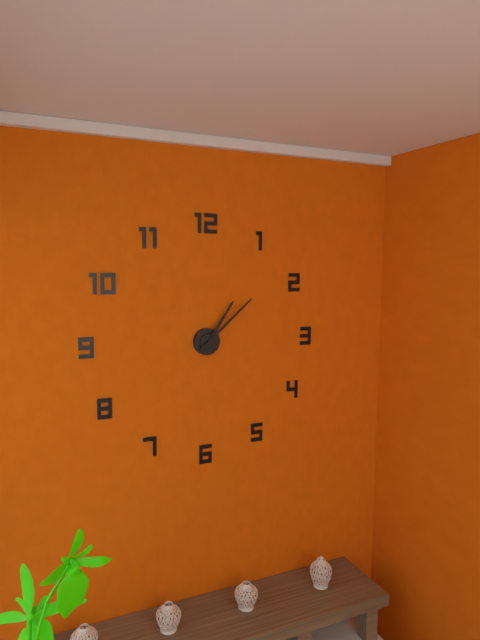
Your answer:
{"hour": 1, "minute": 8}
